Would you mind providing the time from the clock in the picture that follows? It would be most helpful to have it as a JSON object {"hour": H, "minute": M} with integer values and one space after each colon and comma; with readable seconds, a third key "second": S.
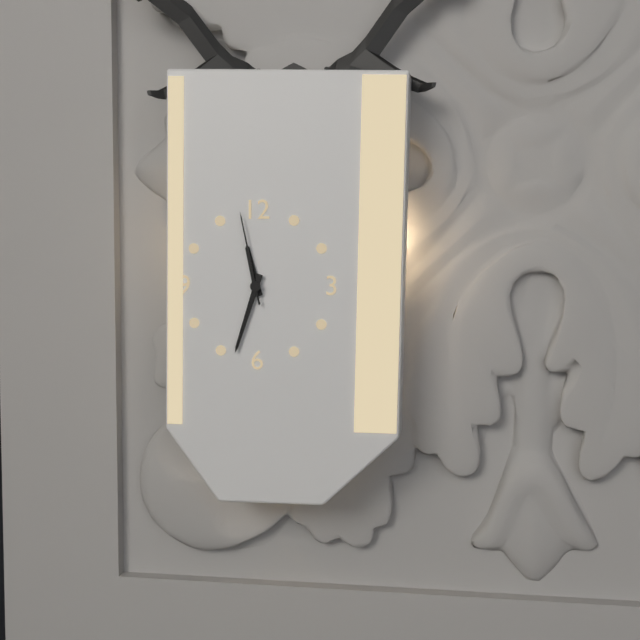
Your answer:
{"hour": 11, "minute": 33, "second": 58}
